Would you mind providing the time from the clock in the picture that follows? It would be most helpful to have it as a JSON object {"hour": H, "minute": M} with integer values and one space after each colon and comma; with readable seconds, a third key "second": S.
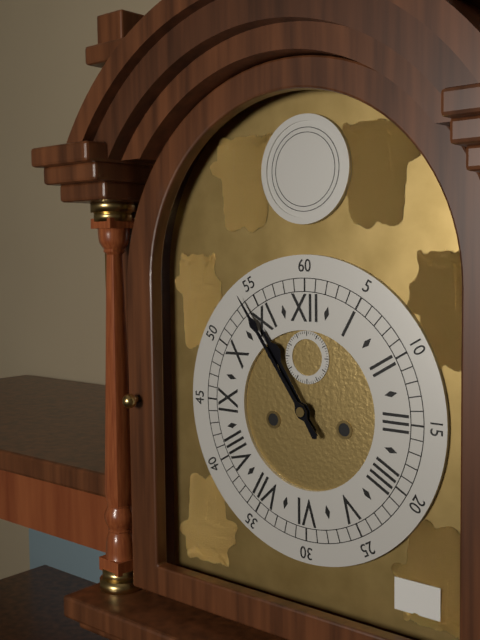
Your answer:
{"hour": 10, "minute": 54}
